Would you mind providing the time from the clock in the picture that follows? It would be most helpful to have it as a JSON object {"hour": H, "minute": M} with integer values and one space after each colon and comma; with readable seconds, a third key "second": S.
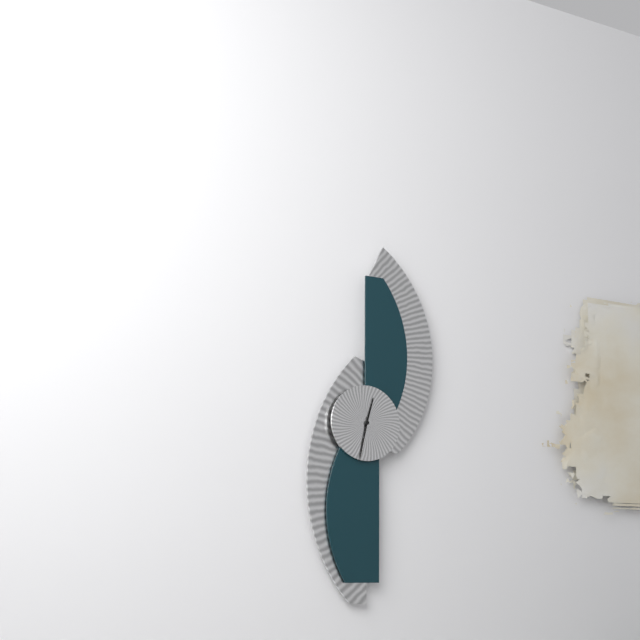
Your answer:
{"hour": 12, "minute": 32}
